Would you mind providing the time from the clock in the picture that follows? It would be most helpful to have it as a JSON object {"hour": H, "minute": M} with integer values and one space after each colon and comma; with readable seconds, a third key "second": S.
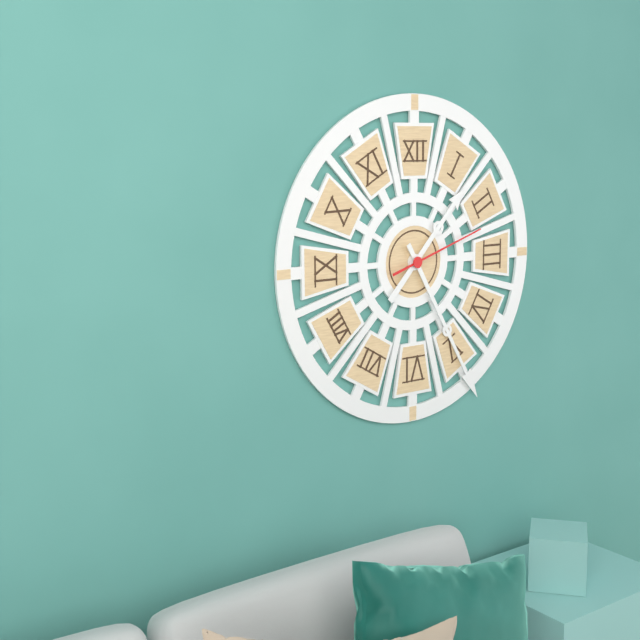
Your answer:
{"hour": 1, "minute": 25, "second": 12}
